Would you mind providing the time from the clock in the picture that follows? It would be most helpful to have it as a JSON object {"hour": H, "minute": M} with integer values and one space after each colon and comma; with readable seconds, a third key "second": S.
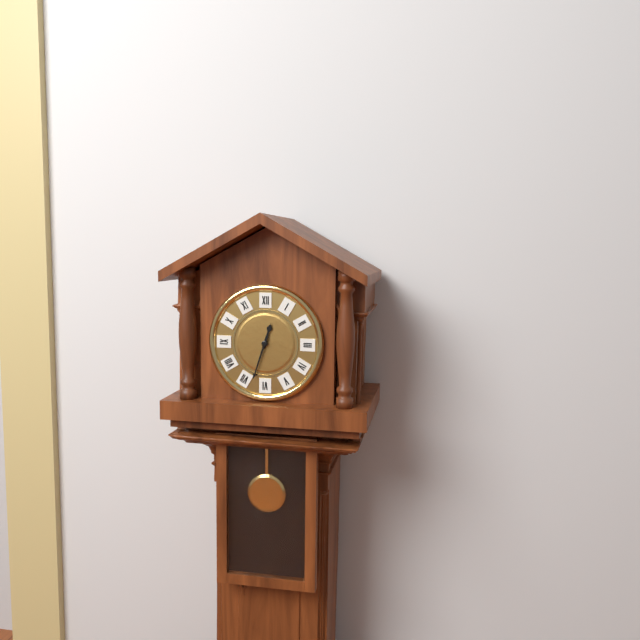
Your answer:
{"hour": 12, "minute": 33}
